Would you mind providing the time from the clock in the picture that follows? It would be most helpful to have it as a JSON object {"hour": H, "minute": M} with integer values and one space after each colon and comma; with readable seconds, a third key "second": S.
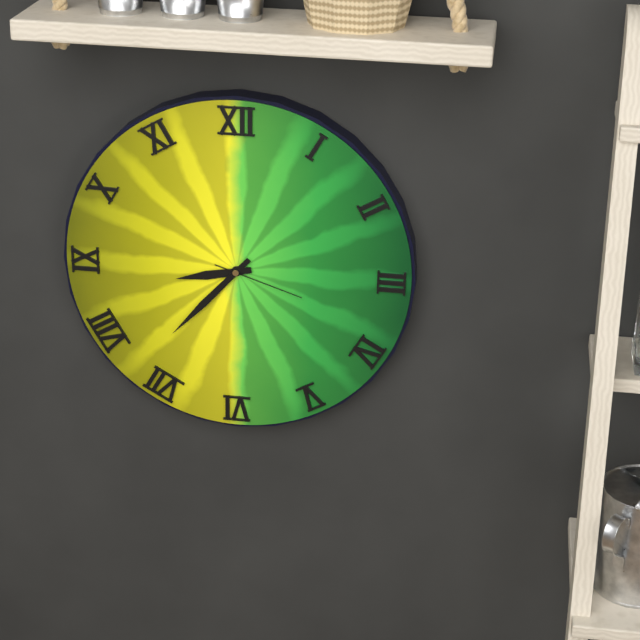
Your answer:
{"hour": 8, "minute": 37, "second": 18}
